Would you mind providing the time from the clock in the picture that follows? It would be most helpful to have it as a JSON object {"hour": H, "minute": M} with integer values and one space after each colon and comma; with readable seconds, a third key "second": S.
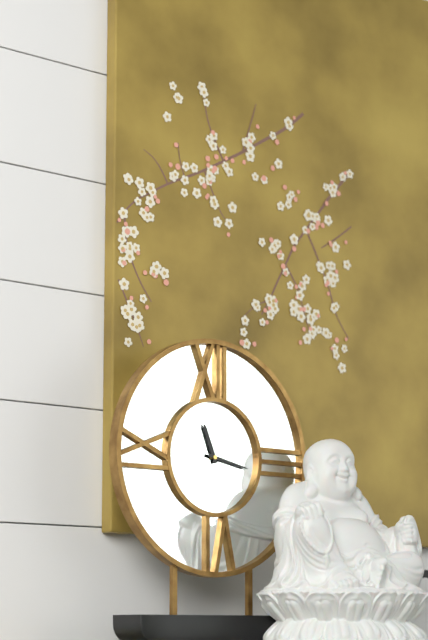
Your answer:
{"hour": 11, "minute": 17}
